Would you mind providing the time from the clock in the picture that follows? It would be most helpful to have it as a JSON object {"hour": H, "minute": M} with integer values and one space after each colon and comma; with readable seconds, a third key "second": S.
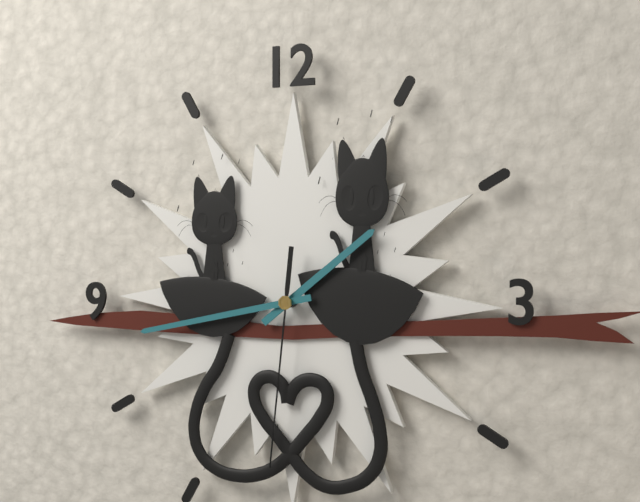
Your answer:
{"hour": 1, "minute": 43, "second": 31}
